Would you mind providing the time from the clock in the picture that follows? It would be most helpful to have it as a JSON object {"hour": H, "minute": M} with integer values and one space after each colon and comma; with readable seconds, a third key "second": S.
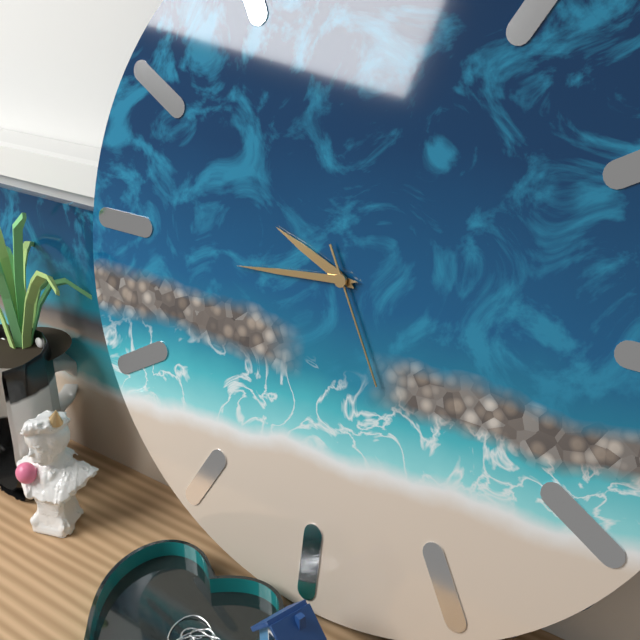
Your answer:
{"hour": 9, "minute": 44, "second": 25}
